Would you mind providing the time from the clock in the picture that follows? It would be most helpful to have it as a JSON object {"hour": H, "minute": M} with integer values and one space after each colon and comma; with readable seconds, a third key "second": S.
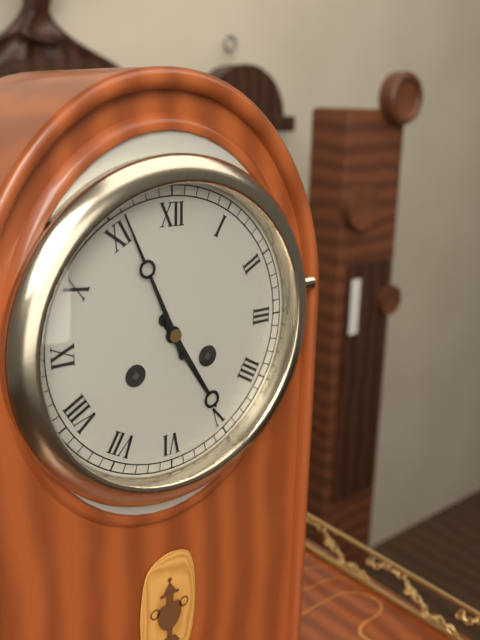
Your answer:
{"hour": 4, "minute": 56}
